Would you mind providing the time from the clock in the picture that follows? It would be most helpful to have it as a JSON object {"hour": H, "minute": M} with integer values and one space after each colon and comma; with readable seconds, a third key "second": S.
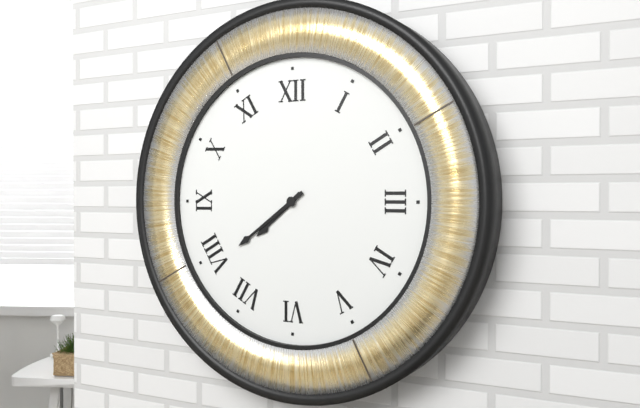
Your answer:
{"hour": 7, "minute": 39}
